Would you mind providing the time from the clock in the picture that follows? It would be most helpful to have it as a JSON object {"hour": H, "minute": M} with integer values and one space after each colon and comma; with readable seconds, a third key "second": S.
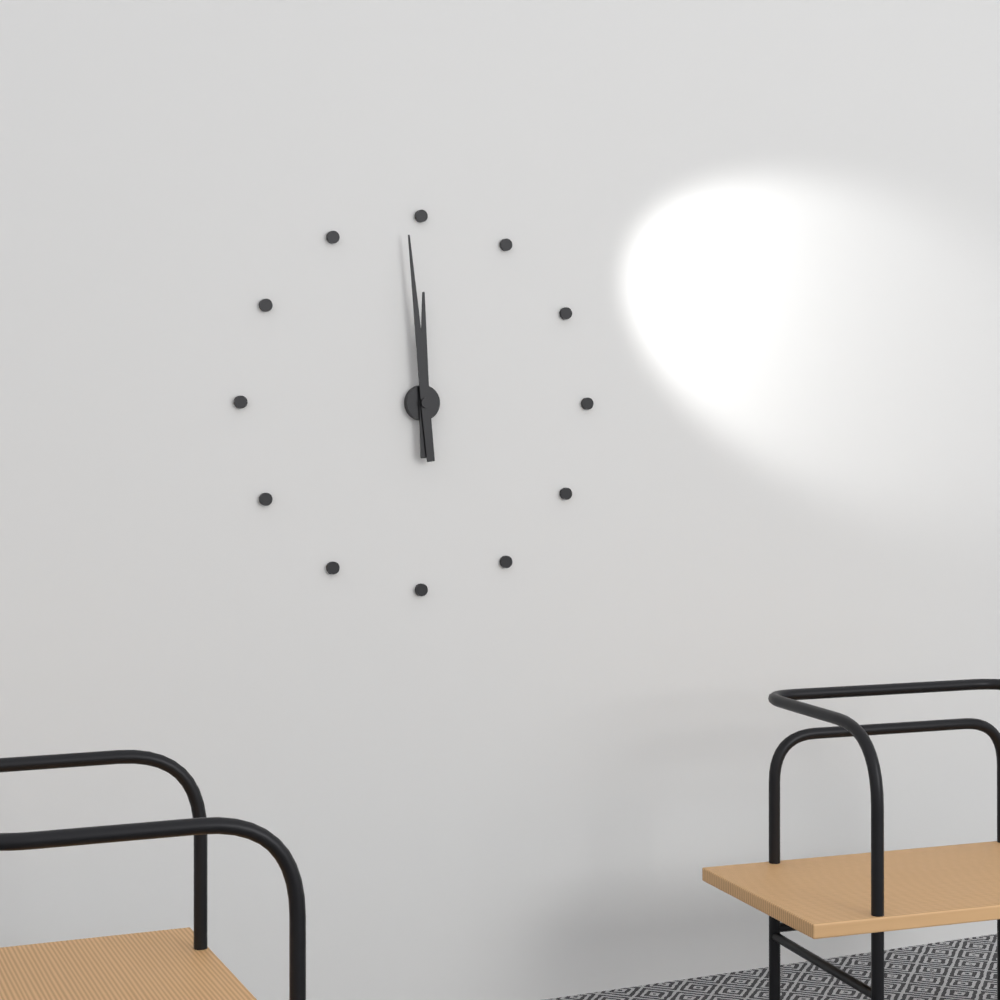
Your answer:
{"hour": 11, "minute": 59}
